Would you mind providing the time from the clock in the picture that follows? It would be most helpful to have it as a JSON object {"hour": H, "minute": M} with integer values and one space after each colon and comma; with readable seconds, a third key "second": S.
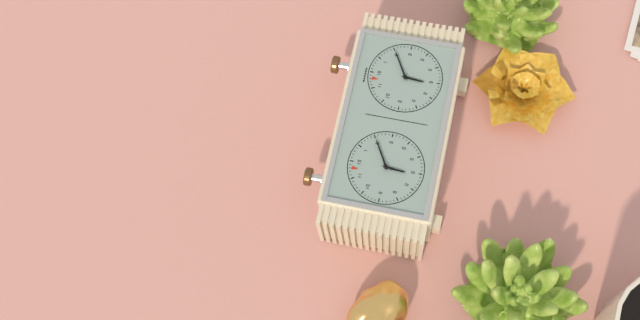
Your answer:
{"hour": 6, "minute": 10}
